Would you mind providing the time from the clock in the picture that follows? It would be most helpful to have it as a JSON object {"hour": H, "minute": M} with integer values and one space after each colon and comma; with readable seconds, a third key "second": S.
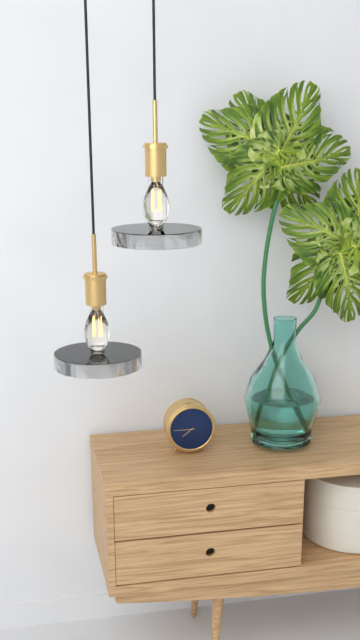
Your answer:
{"hour": 7, "minute": 45}
